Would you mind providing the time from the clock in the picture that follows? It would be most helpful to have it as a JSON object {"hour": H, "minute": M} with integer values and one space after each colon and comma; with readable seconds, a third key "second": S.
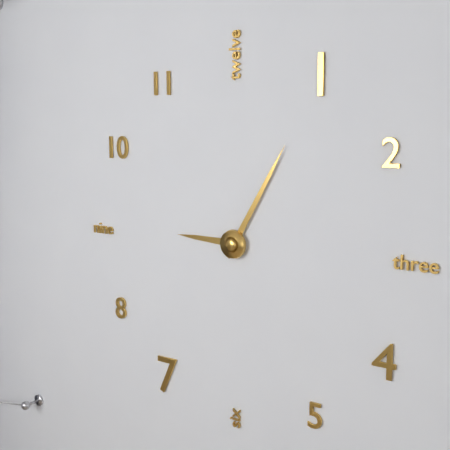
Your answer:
{"hour": 9, "minute": 5}
